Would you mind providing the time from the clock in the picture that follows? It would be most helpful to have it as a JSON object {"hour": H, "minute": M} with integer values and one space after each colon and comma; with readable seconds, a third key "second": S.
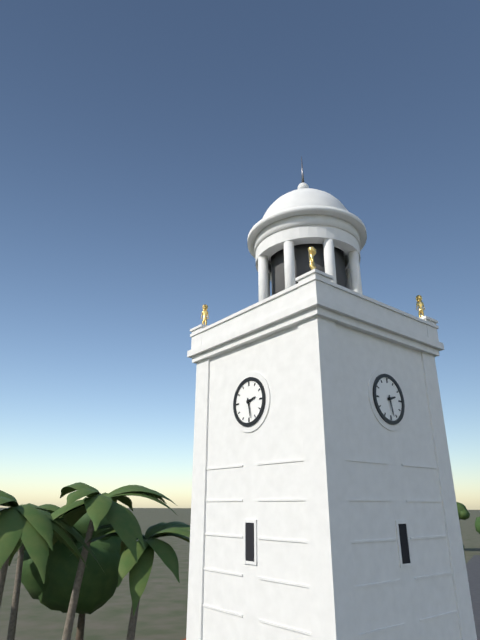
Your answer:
{"hour": 2, "minute": 28}
